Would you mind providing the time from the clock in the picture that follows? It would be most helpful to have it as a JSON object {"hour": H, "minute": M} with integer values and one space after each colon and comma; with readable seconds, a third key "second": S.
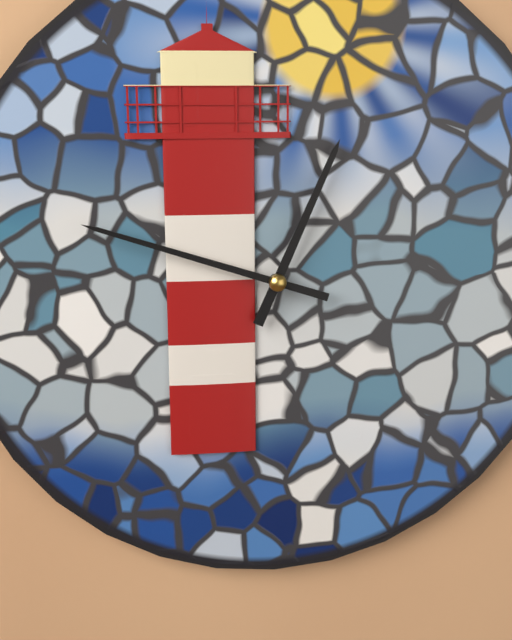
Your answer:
{"hour": 12, "minute": 48}
